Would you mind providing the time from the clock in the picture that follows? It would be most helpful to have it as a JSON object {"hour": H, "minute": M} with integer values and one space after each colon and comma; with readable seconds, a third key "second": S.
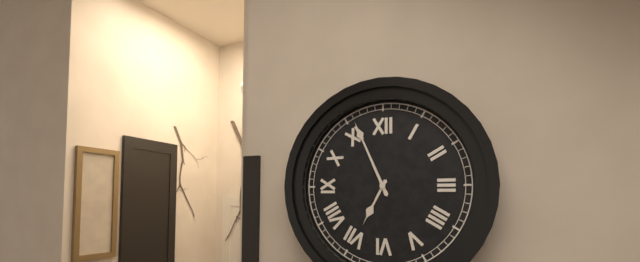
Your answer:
{"hour": 6, "minute": 56}
